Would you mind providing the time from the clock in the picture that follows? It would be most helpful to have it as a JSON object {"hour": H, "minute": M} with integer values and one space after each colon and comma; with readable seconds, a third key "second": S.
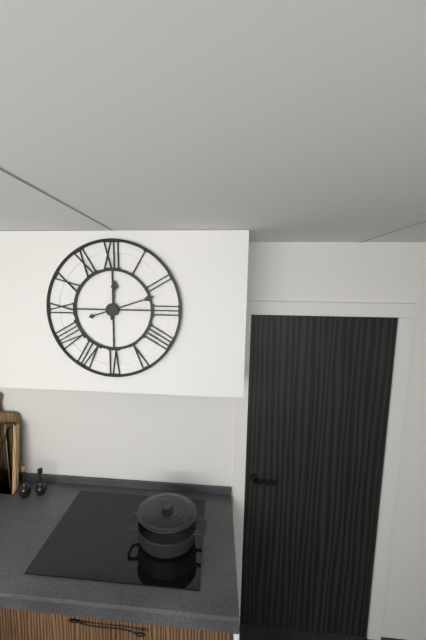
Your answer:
{"hour": 12, "minute": 12}
